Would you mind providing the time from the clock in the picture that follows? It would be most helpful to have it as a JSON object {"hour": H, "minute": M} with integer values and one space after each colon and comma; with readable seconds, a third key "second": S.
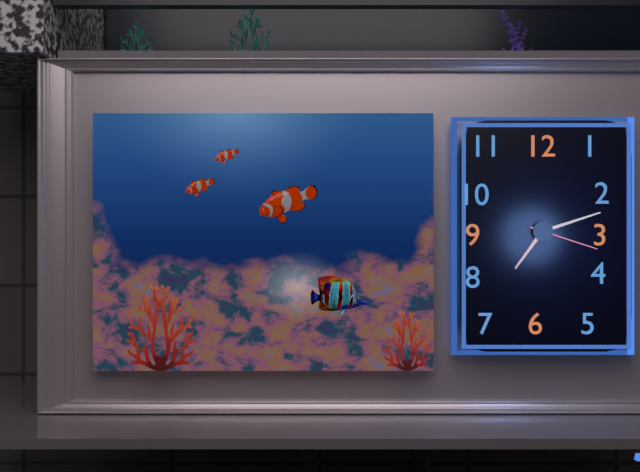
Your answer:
{"hour": 7, "minute": 12, "second": 18}
